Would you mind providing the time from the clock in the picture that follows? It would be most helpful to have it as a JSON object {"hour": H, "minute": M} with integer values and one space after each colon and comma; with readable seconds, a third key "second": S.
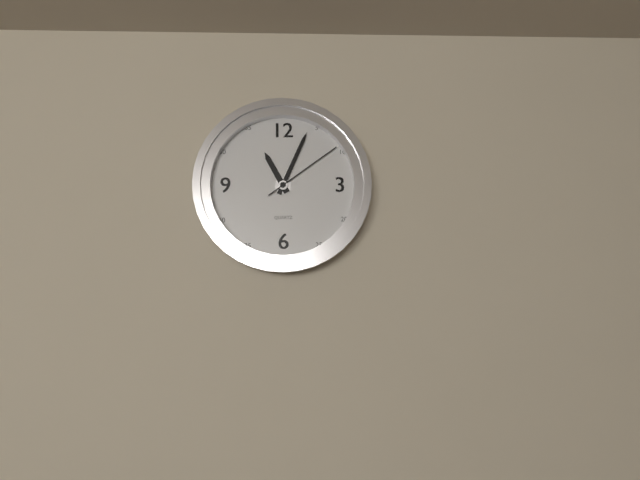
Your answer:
{"hour": 11, "minute": 4, "second": 9}
